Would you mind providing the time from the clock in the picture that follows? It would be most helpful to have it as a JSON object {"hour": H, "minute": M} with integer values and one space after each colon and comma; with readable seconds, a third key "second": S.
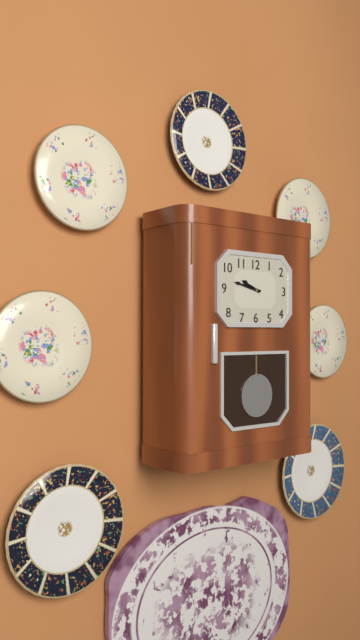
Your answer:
{"hour": 9, "minute": 47}
